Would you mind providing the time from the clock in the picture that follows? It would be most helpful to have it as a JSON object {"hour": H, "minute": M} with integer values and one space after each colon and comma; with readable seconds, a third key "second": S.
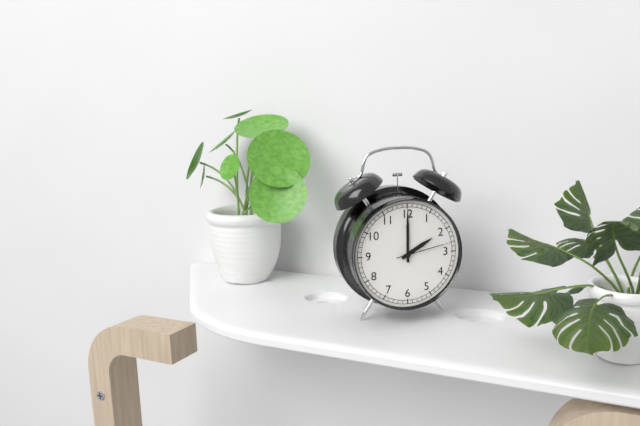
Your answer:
{"hour": 2, "minute": 0, "second": 13}
